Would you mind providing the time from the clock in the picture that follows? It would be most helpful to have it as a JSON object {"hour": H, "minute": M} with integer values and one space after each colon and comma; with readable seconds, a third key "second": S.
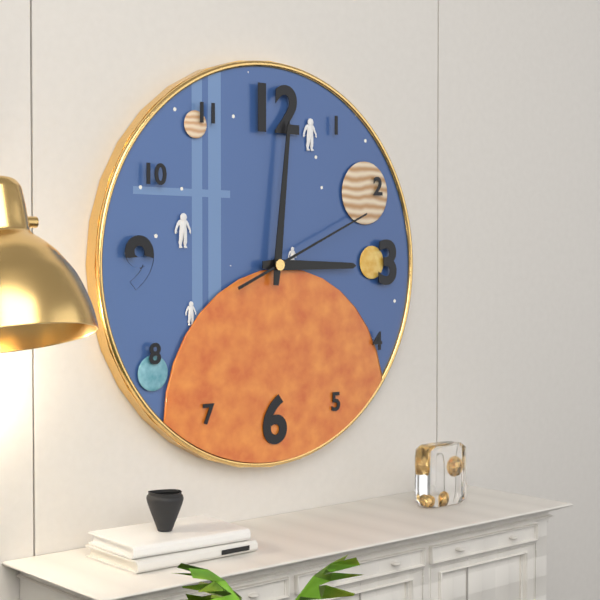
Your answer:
{"hour": 3, "minute": 1, "second": 11}
